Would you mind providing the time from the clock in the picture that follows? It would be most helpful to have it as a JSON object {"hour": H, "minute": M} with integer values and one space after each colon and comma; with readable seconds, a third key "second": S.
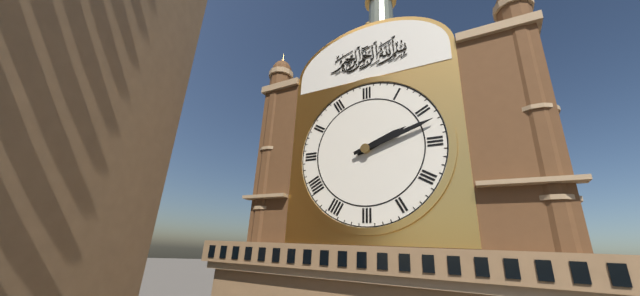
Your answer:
{"hour": 2, "minute": 12}
